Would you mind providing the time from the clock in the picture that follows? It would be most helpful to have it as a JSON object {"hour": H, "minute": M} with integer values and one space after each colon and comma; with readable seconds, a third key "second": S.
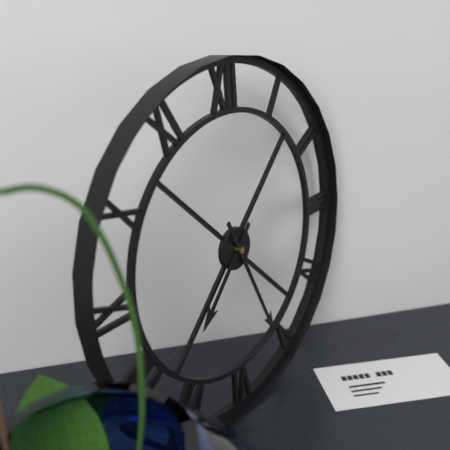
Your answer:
{"hour": 7, "minute": 26}
